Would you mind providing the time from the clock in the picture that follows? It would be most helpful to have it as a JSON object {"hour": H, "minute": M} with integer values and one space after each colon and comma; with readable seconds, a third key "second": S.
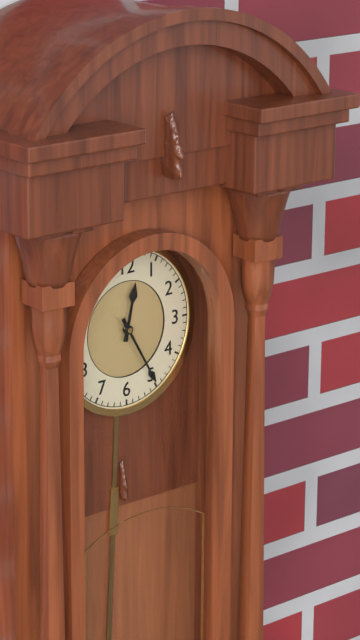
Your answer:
{"hour": 12, "minute": 25}
